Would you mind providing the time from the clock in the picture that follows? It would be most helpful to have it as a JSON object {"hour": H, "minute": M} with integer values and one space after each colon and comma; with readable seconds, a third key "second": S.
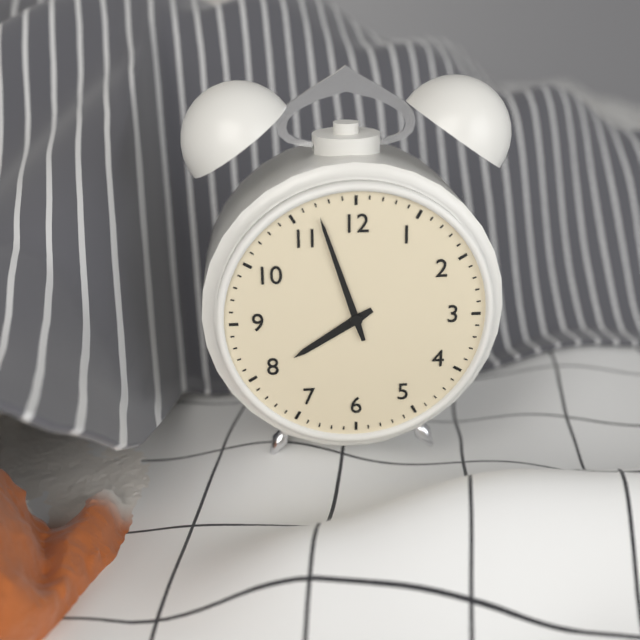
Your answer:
{"hour": 7, "minute": 57}
